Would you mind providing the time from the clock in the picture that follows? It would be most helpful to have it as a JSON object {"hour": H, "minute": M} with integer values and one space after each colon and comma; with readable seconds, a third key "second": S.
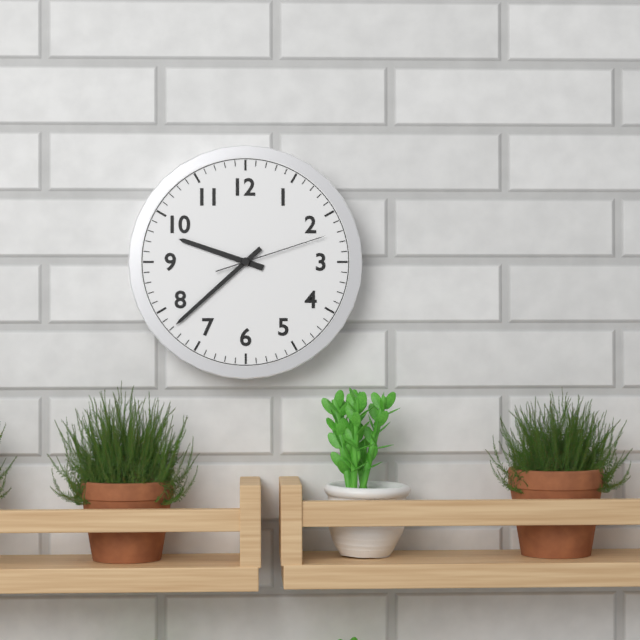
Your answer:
{"hour": 9, "minute": 38, "second": 12}
